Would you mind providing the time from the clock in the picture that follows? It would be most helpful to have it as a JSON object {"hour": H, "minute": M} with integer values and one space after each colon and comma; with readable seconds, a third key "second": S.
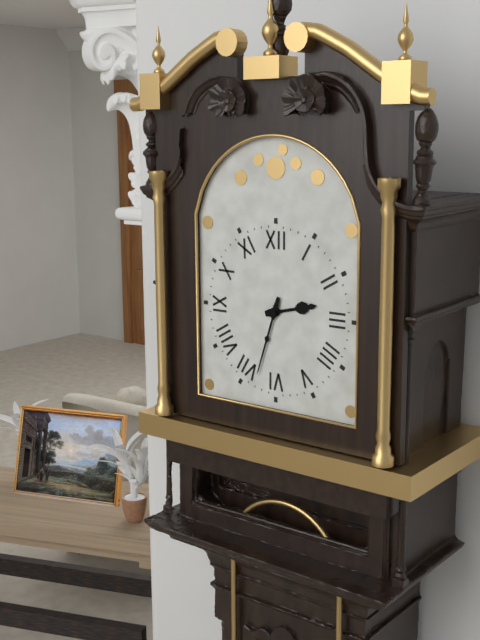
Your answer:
{"hour": 2, "minute": 33}
